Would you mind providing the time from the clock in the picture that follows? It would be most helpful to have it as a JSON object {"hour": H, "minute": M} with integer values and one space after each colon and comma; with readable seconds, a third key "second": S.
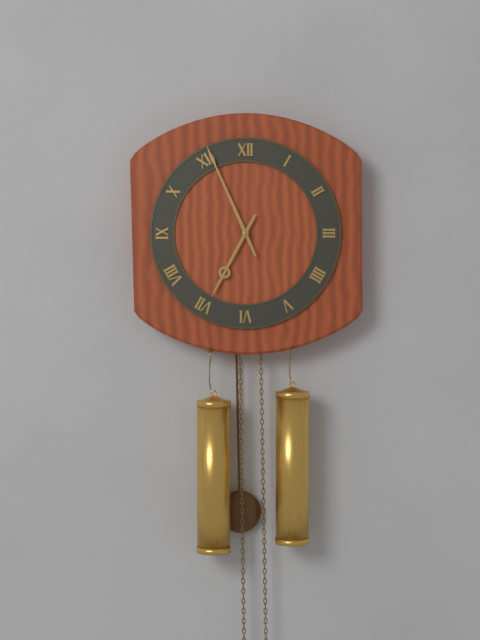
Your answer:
{"hour": 6, "minute": 56}
